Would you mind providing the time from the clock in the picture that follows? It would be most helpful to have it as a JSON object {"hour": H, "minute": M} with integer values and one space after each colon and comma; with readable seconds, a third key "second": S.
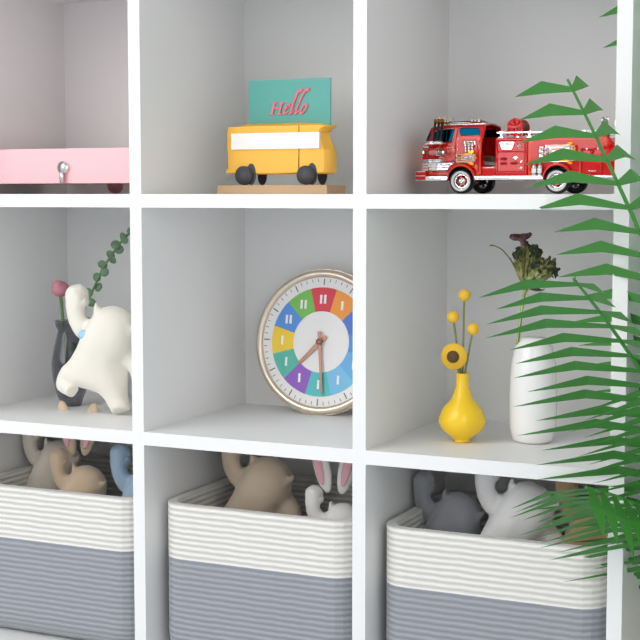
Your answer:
{"hour": 7, "minute": 29}
